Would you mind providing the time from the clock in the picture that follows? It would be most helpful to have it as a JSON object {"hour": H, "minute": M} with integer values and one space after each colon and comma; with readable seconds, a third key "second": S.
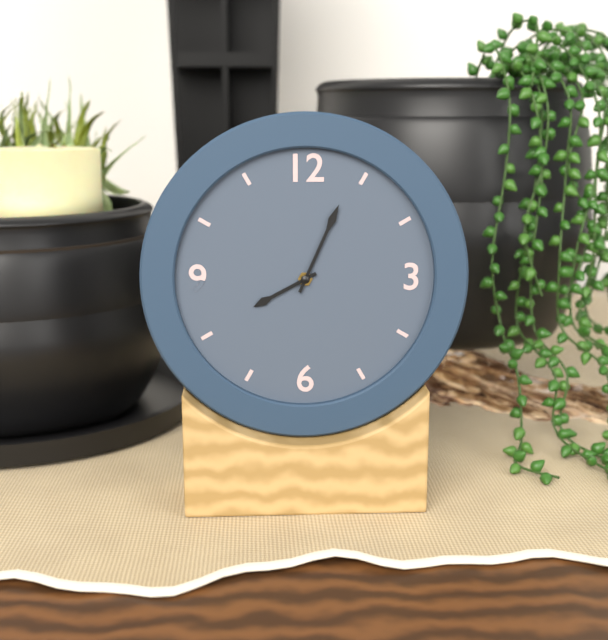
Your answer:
{"hour": 8, "minute": 4}
